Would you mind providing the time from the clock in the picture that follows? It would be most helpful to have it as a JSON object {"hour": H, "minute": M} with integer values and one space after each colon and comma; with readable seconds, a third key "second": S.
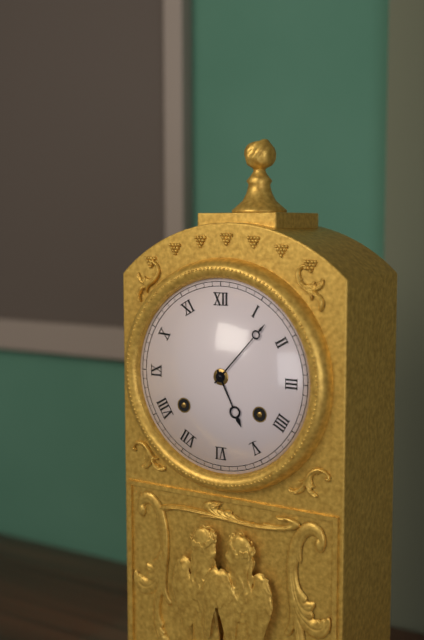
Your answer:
{"hour": 5, "minute": 7}
